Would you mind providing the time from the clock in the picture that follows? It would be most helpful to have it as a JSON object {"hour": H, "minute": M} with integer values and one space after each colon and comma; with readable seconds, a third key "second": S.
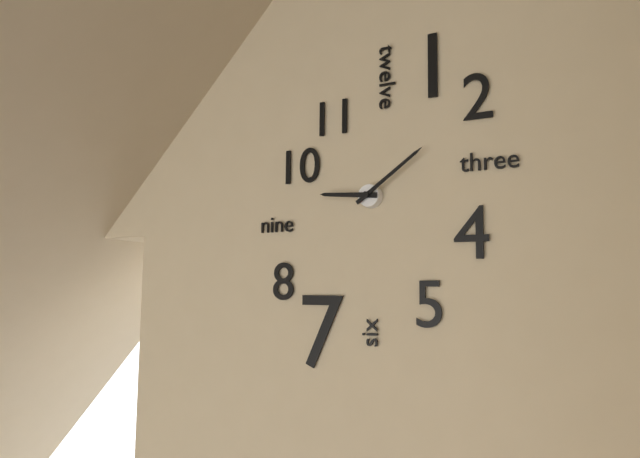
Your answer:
{"hour": 9, "minute": 9}
